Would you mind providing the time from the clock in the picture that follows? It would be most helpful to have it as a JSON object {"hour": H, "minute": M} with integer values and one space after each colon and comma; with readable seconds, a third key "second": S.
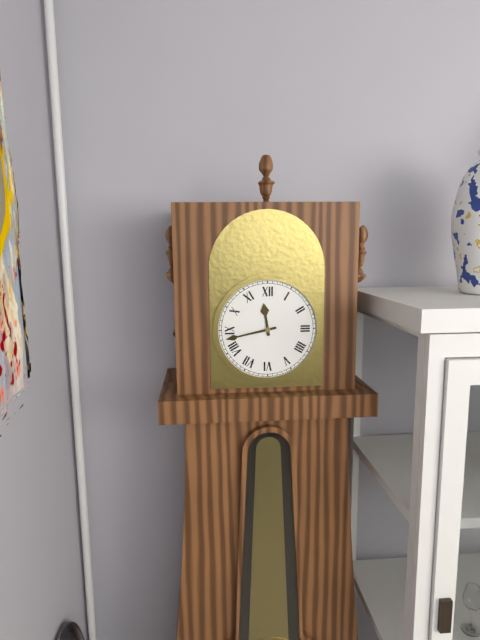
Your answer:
{"hour": 11, "minute": 43}
